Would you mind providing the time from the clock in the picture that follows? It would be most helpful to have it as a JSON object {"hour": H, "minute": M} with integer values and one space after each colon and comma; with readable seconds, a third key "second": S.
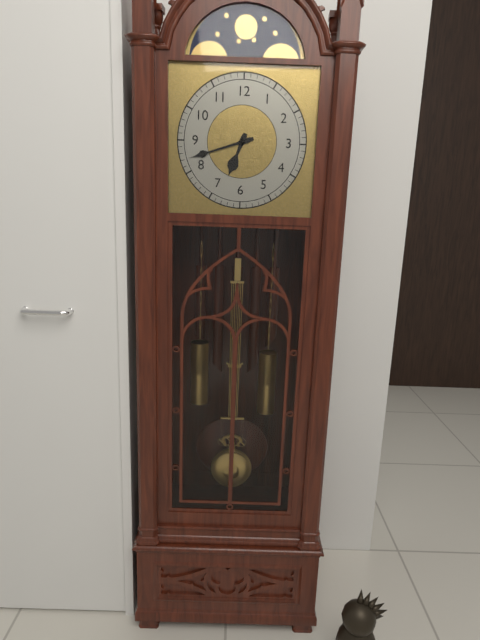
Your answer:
{"hour": 6, "minute": 42}
